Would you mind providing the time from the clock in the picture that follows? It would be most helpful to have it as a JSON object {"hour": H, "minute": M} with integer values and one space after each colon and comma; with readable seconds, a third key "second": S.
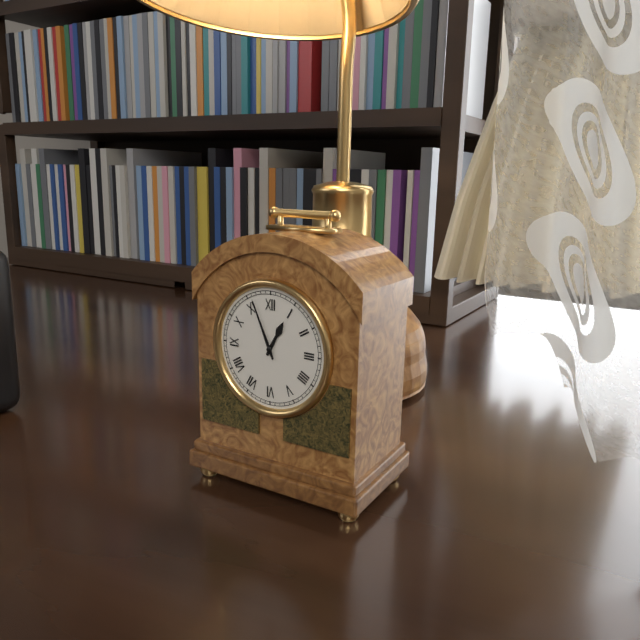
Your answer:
{"hour": 12, "minute": 56}
